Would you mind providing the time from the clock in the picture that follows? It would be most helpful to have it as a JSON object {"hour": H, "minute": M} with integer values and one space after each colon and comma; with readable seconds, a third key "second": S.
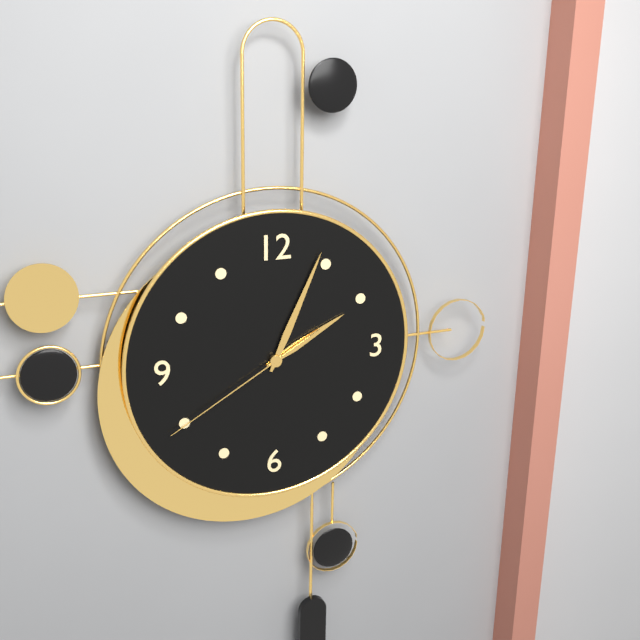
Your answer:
{"hour": 2, "minute": 4, "second": 40}
